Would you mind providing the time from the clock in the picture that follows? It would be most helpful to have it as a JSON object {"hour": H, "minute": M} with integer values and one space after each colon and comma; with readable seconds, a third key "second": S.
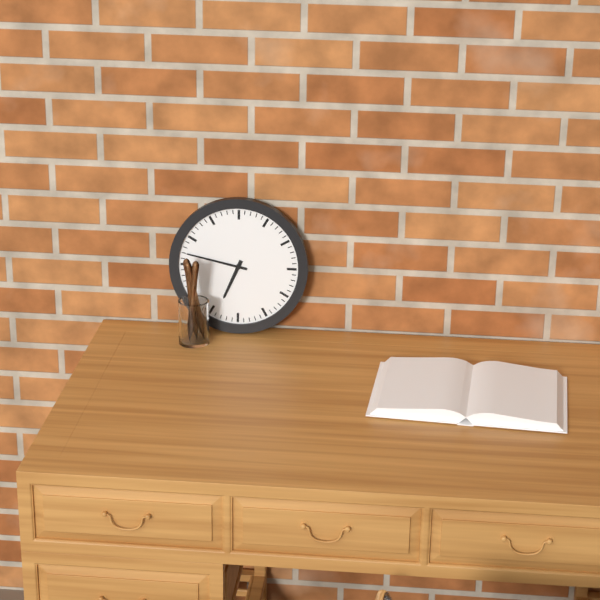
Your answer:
{"hour": 6, "minute": 47}
